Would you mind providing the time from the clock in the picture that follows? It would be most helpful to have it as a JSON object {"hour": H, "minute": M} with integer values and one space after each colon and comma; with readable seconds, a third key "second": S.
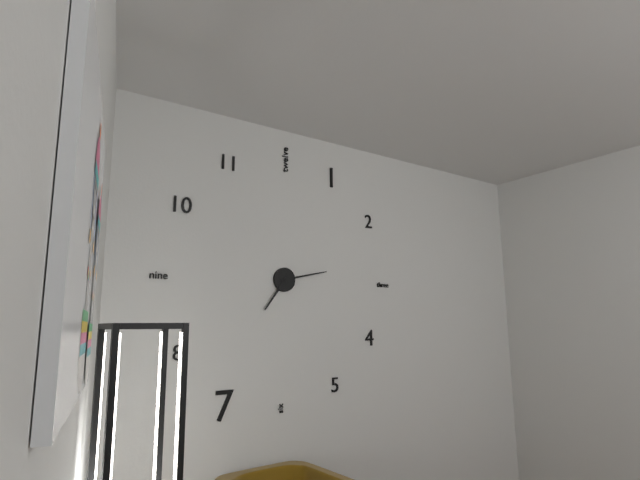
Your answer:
{"hour": 7, "minute": 13}
